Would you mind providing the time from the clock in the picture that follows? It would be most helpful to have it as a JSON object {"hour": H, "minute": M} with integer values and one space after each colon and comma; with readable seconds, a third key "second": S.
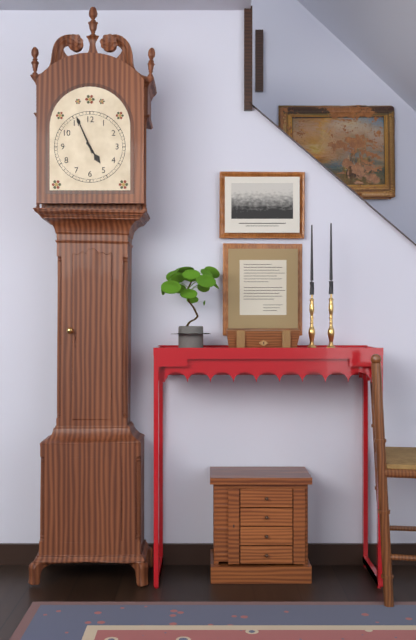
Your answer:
{"hour": 4, "minute": 56}
